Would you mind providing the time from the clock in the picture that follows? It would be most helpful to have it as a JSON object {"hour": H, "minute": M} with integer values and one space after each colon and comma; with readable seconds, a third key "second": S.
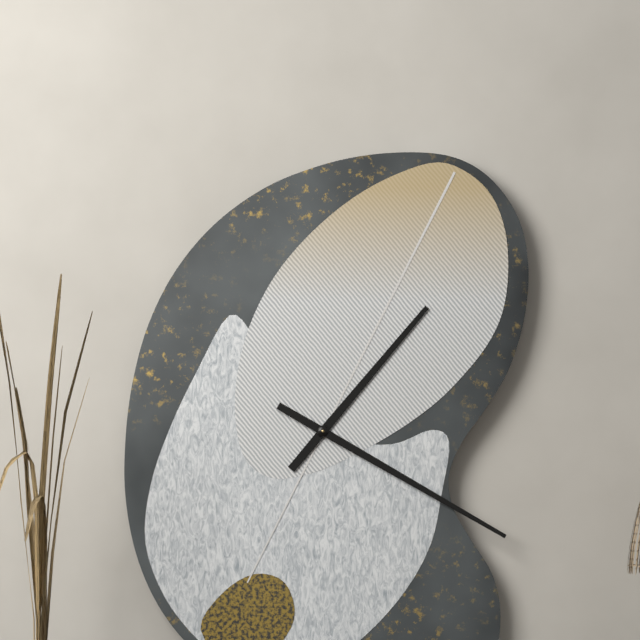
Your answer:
{"hour": 1, "minute": 20}
